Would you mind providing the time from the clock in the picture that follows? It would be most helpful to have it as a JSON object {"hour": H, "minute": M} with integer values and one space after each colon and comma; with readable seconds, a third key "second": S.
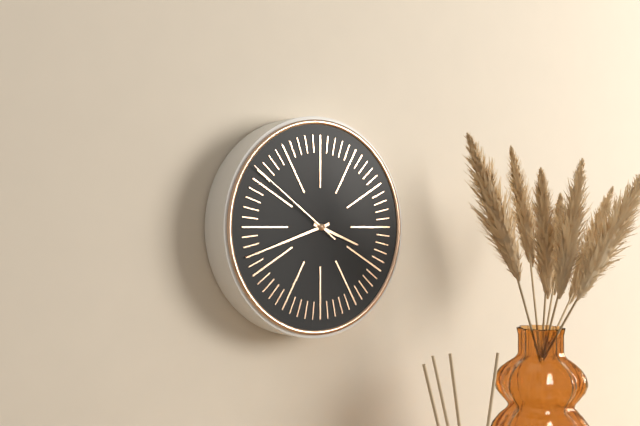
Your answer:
{"hour": 3, "minute": 42, "second": 51}
